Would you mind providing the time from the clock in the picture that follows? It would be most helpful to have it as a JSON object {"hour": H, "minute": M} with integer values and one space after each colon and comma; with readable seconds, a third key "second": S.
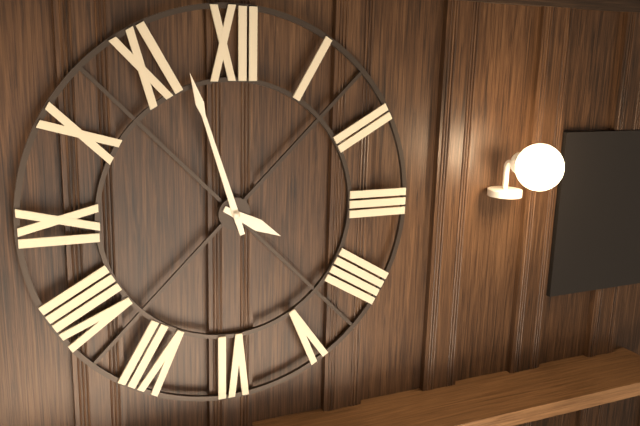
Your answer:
{"hour": 3, "minute": 57}
